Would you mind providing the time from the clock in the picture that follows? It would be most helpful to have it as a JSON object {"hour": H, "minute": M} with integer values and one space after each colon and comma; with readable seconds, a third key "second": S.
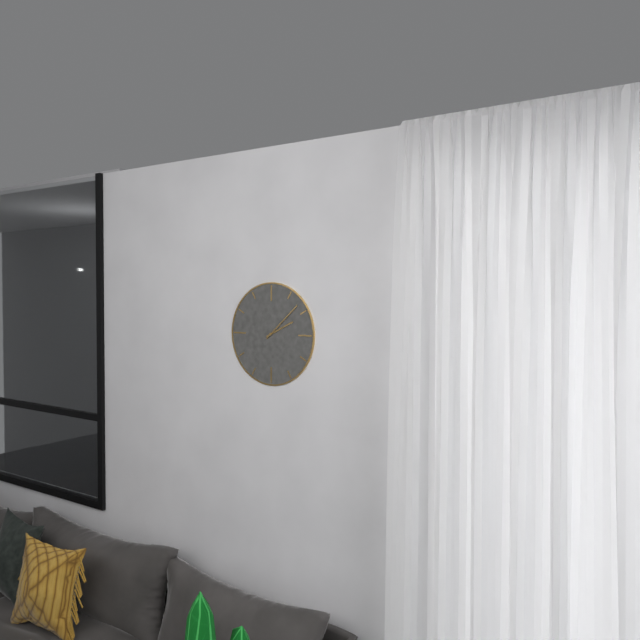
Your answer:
{"hour": 2, "minute": 8}
